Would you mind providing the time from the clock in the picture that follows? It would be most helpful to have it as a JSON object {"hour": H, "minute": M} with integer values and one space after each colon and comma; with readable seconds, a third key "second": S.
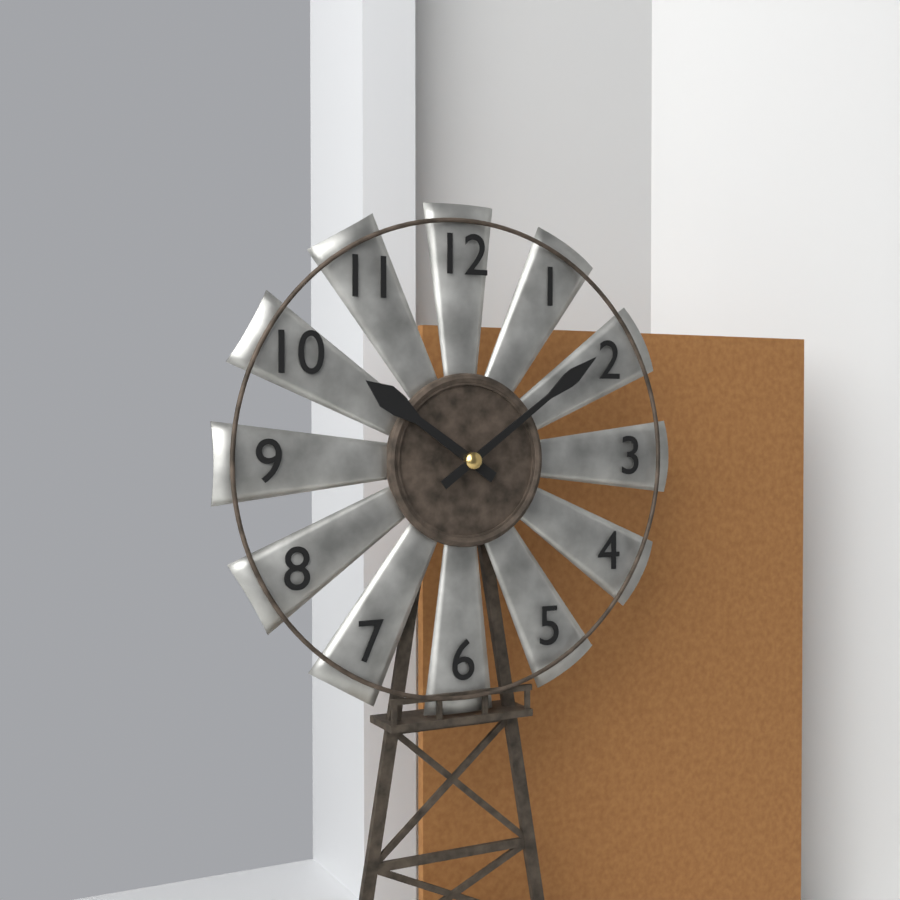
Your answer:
{"hour": 10, "minute": 9}
